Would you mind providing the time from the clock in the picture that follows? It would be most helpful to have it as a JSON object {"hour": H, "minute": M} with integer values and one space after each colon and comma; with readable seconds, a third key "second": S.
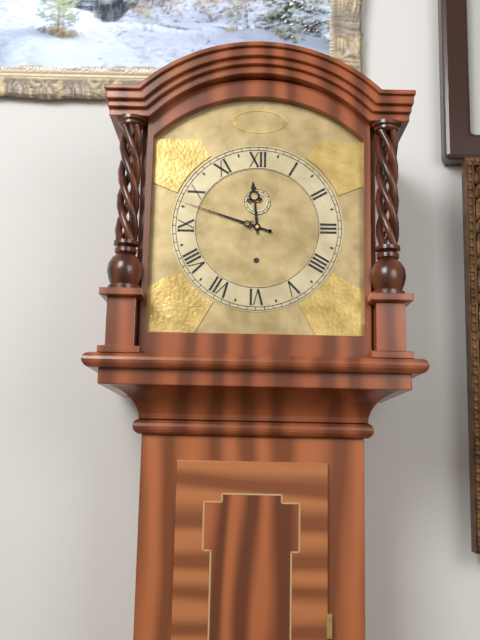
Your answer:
{"hour": 11, "minute": 48}
